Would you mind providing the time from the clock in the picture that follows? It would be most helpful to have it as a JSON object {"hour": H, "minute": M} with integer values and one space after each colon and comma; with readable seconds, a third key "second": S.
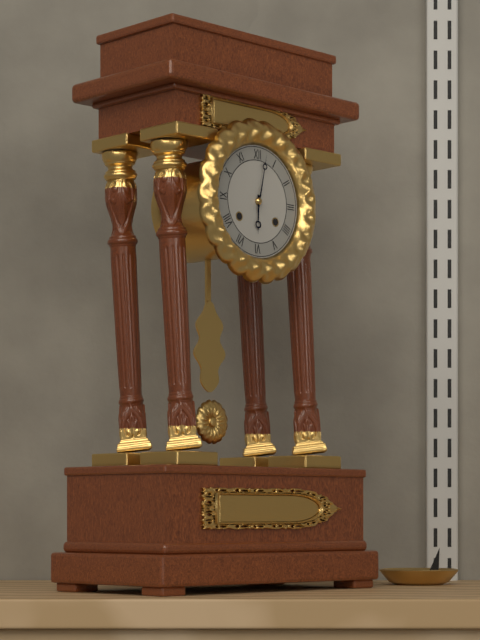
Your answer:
{"hour": 6, "minute": 2}
